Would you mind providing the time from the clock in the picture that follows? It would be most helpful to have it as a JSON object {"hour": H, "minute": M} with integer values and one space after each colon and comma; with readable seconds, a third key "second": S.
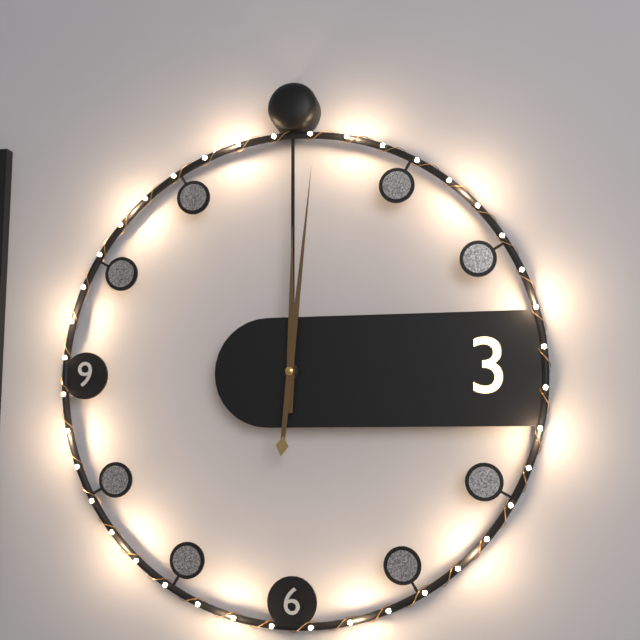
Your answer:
{"hour": 12, "minute": 1}
